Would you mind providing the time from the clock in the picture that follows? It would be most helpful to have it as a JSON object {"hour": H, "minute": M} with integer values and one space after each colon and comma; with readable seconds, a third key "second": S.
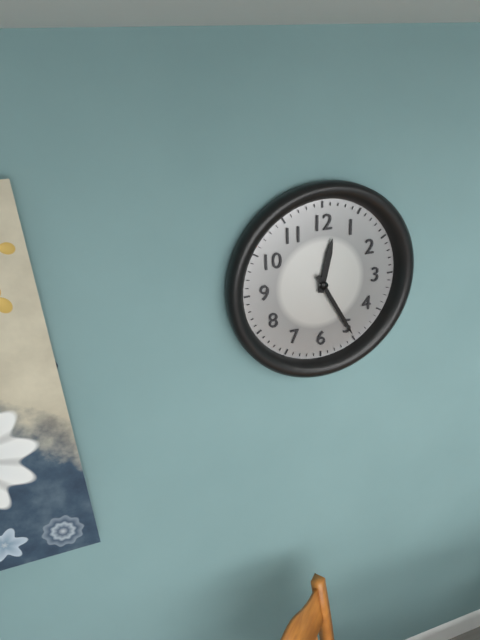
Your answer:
{"hour": 12, "minute": 25}
